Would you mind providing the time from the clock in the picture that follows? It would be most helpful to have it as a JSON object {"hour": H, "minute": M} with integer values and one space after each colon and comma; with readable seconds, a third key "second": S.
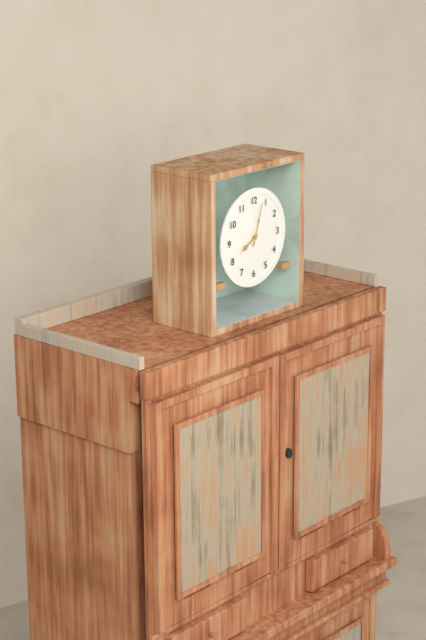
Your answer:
{"hour": 8, "minute": 3}
